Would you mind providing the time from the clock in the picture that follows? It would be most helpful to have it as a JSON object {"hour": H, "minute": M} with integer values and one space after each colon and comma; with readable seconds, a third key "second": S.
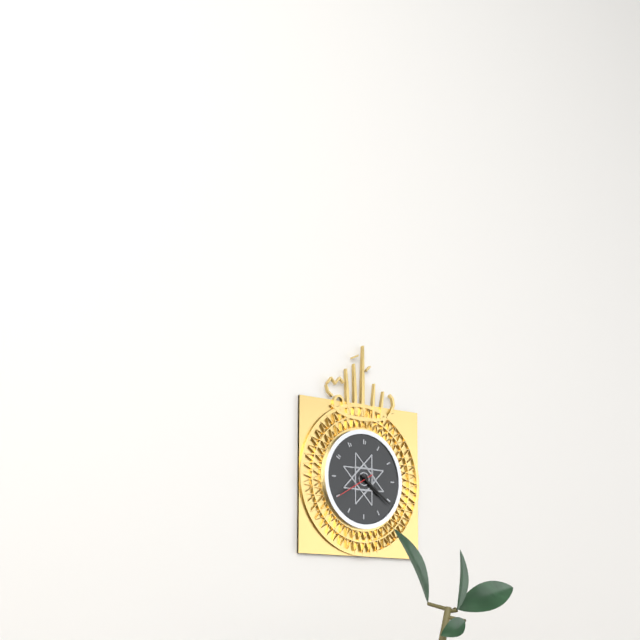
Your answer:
{"hour": 4, "minute": 21}
